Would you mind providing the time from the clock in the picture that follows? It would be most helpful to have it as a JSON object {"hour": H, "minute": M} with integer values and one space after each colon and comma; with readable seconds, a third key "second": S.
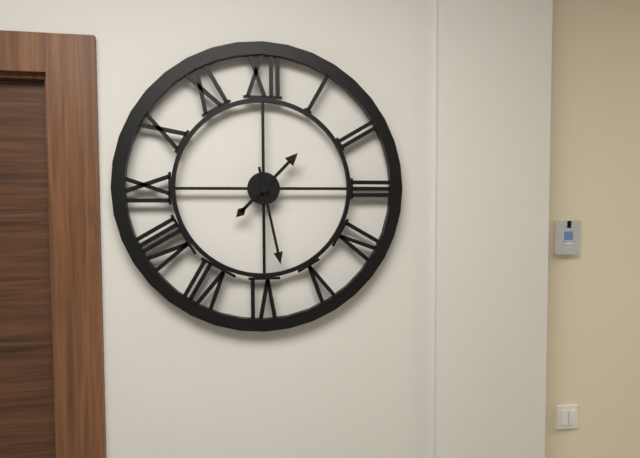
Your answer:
{"hour": 1, "minute": 28}
